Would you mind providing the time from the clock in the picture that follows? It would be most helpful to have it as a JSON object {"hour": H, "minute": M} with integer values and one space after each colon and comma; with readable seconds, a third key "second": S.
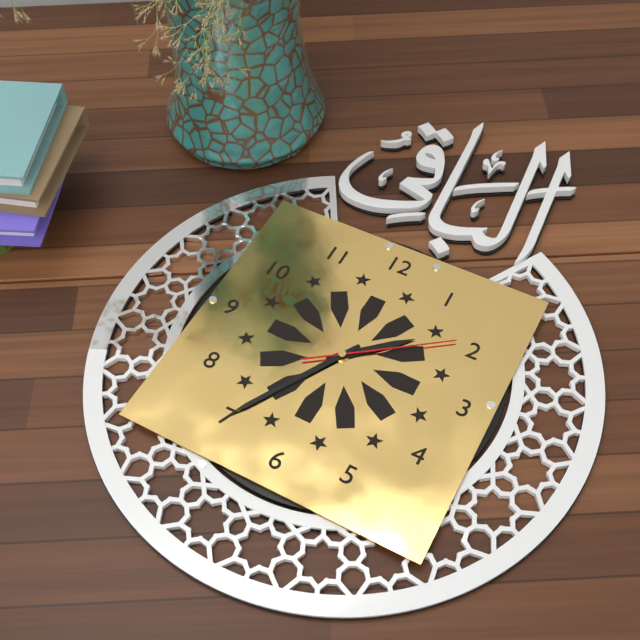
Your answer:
{"hour": 1, "minute": 35, "second": 9}
